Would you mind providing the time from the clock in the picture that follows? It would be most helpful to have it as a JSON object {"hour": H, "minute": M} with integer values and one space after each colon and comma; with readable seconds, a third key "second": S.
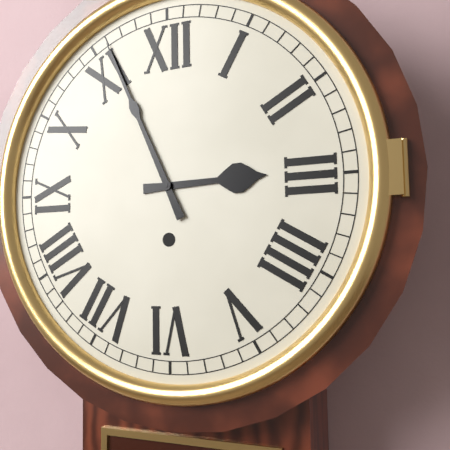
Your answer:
{"hour": 2, "minute": 56}
